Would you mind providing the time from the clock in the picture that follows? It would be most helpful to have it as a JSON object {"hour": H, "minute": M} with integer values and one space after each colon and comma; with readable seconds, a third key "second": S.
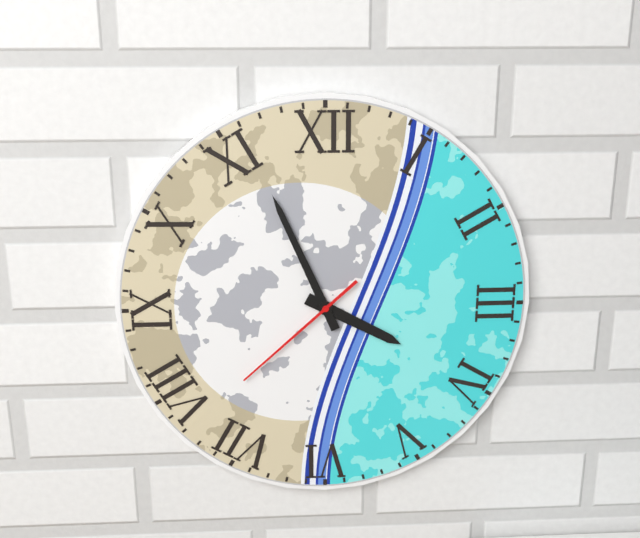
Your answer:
{"hour": 3, "minute": 56, "second": 38}
